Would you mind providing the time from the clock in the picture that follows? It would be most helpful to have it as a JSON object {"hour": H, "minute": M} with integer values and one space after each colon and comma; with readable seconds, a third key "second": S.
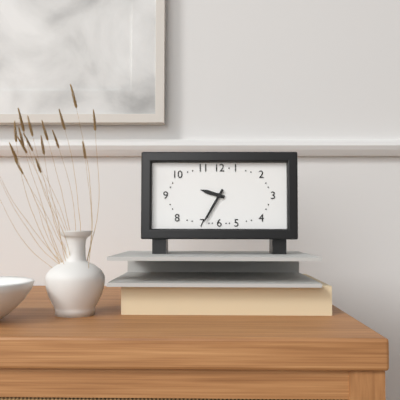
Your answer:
{"hour": 9, "minute": 35}
